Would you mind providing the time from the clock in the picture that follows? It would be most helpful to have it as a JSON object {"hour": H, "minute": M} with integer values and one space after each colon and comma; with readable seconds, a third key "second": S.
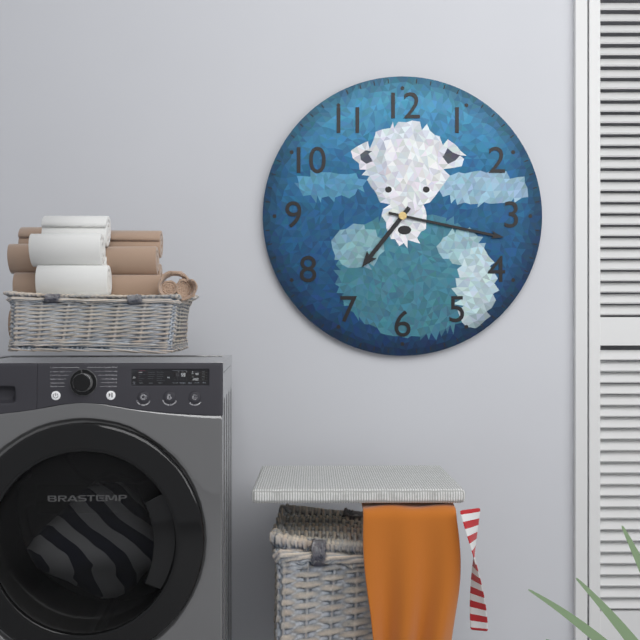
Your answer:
{"hour": 7, "minute": 17}
